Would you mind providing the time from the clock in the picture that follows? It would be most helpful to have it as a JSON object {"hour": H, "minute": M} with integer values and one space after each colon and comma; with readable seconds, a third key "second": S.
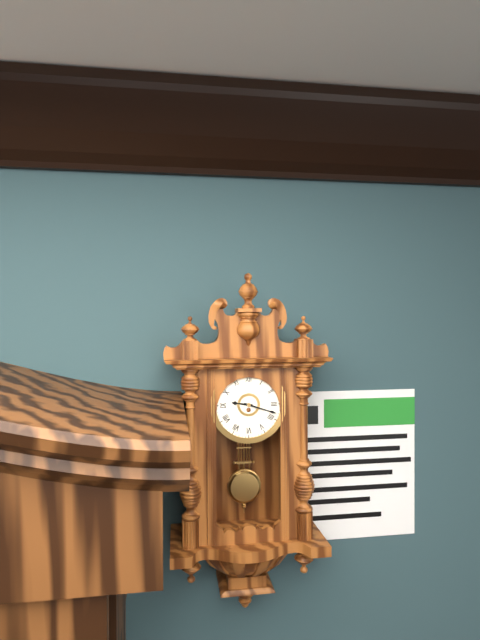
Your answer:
{"hour": 9, "minute": 18}
